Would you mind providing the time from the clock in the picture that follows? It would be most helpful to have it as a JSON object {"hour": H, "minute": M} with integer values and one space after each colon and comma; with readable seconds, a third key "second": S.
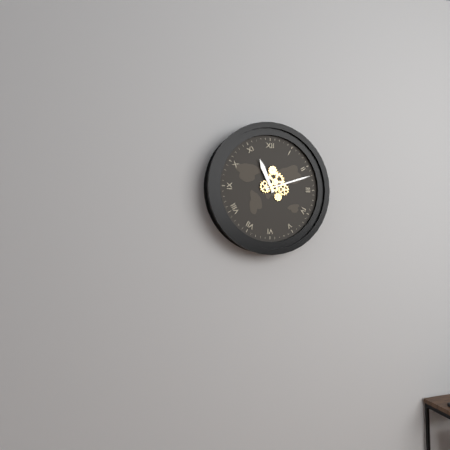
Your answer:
{"hour": 11, "minute": 12}
